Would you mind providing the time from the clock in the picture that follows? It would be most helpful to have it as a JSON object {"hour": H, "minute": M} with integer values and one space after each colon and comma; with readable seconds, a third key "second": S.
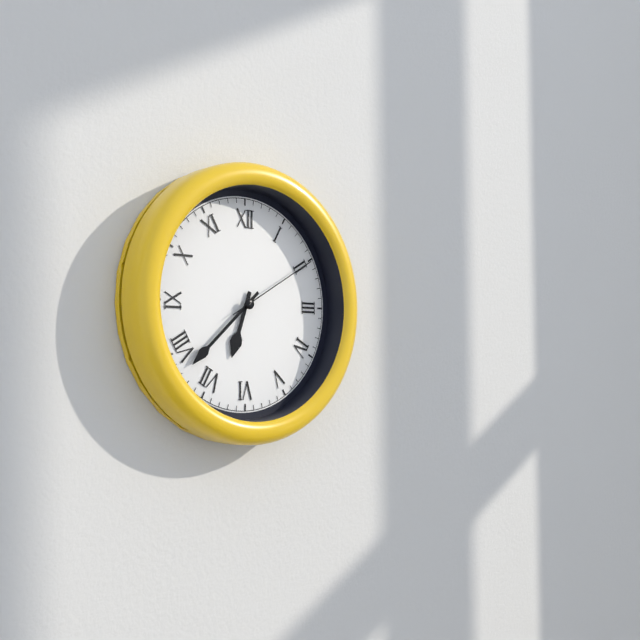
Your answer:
{"hour": 6, "minute": 38, "second": 10}
